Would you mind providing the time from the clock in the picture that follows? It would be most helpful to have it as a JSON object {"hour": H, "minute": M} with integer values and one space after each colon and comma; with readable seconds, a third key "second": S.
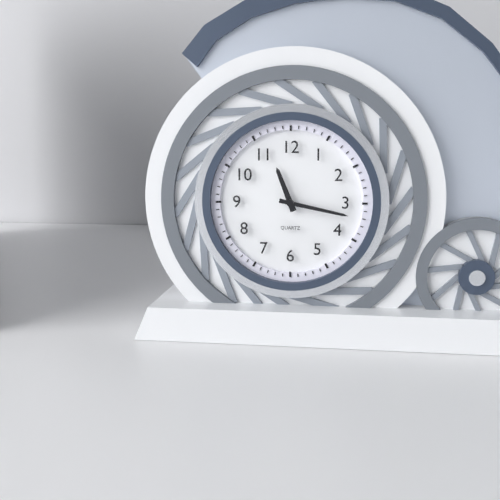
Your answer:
{"hour": 11, "minute": 17}
